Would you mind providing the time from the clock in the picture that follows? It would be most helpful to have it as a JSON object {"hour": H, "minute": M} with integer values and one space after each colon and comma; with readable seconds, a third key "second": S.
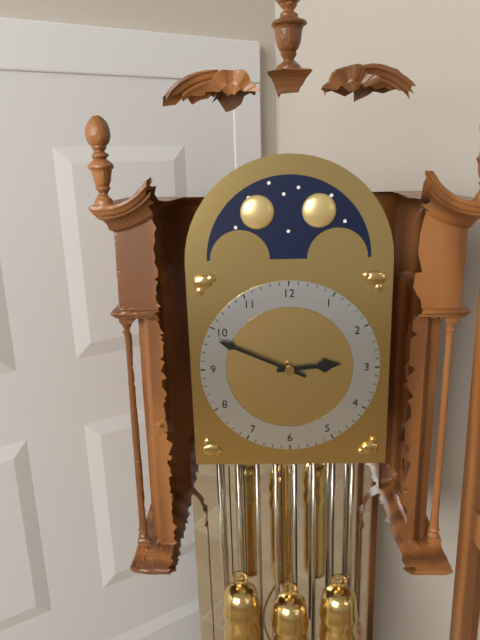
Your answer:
{"hour": 2, "minute": 49}
